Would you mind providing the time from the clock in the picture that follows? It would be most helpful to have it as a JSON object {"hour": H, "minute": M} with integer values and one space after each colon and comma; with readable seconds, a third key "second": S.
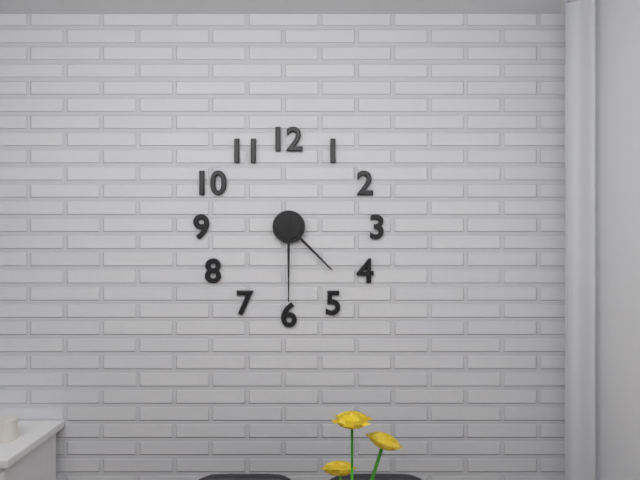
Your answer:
{"hour": 4, "minute": 30}
